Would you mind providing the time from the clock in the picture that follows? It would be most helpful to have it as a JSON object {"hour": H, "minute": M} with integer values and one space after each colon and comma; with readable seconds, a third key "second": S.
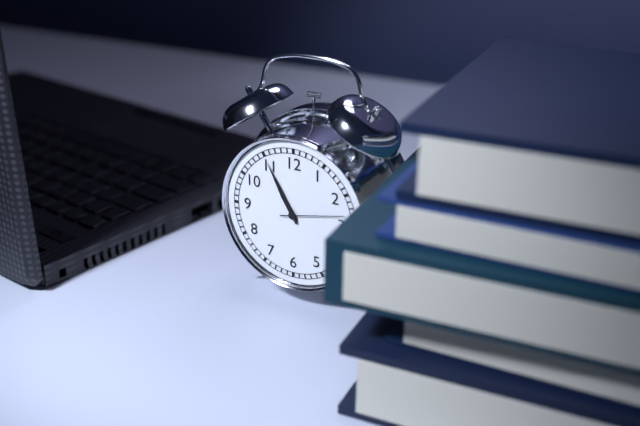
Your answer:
{"hour": 10, "minute": 55, "second": 13}
